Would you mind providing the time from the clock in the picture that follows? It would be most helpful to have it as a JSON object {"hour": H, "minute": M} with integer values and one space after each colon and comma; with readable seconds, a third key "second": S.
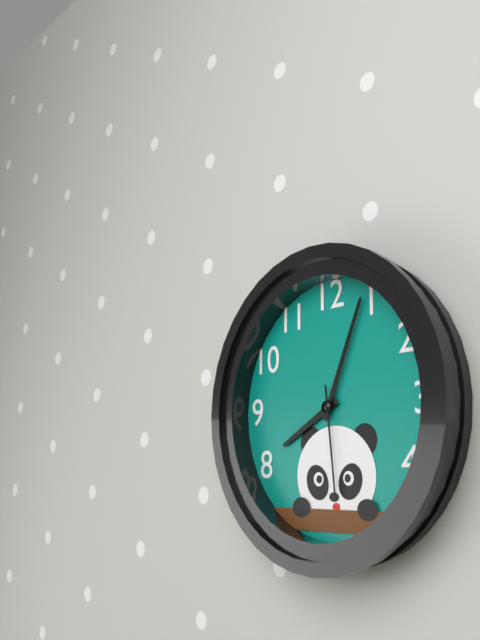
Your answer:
{"hour": 8, "minute": 4, "second": 29}
